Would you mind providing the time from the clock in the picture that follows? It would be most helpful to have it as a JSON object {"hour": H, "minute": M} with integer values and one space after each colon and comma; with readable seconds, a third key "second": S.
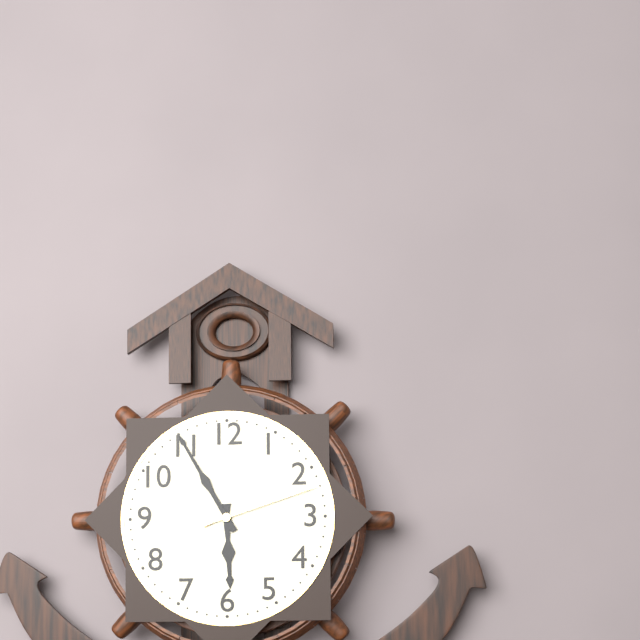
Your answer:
{"hour": 5, "minute": 55, "second": 12}
